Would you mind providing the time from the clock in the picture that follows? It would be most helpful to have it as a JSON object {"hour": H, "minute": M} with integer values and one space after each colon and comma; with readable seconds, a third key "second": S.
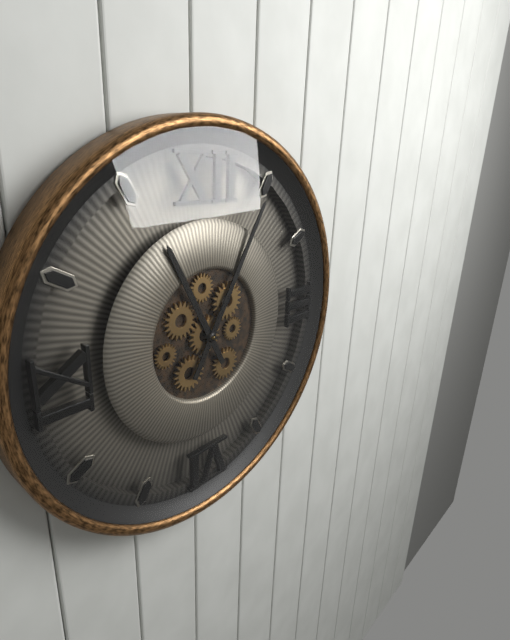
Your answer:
{"hour": 11, "minute": 5}
